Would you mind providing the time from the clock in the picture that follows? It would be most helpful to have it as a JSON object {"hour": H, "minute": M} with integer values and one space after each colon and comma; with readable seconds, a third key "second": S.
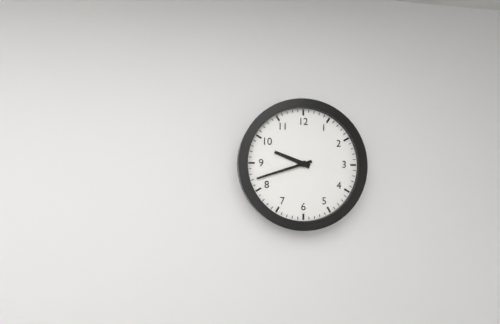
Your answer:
{"hour": 9, "minute": 42}
